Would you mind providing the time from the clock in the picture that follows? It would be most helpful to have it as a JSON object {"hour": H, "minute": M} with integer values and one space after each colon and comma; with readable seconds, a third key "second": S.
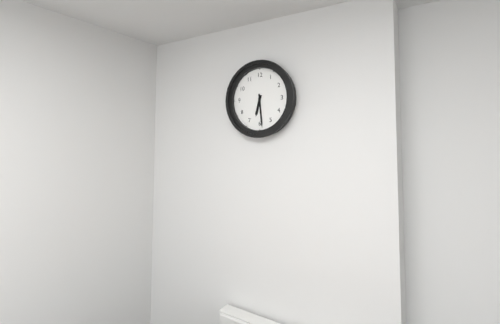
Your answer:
{"hour": 6, "minute": 29}
